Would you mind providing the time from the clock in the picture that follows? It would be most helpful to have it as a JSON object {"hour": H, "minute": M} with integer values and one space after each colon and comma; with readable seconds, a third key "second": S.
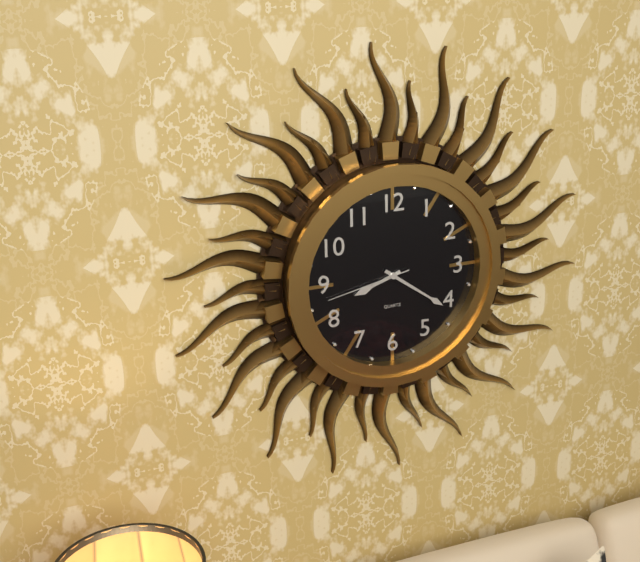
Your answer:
{"hour": 8, "minute": 21, "second": 43}
